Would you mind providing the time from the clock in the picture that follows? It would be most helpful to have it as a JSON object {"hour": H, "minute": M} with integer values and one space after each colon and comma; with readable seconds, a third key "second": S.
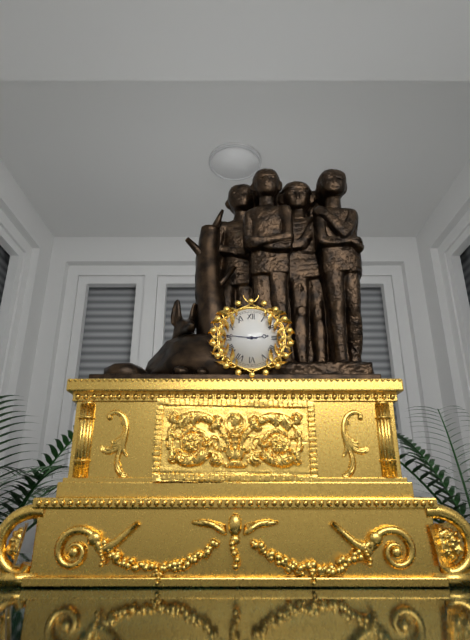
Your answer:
{"hour": 2, "minute": 46}
